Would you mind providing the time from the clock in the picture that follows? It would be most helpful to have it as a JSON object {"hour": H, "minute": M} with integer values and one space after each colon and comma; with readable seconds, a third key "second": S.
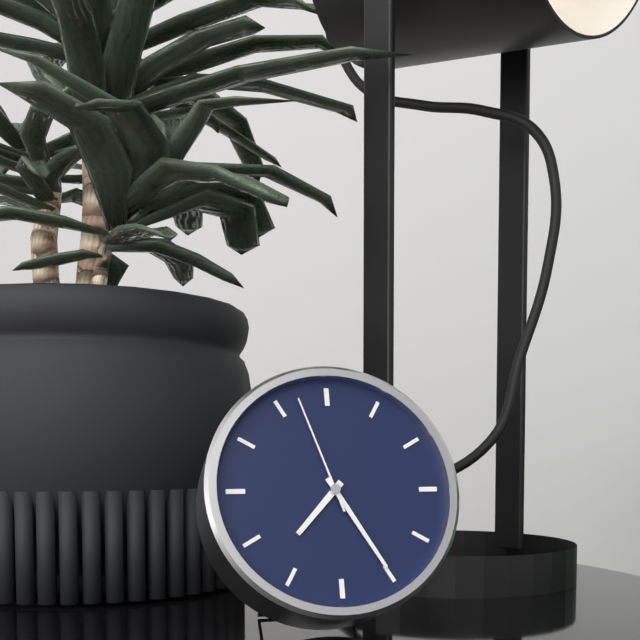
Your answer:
{"hour": 7, "minute": 25, "second": 57}
